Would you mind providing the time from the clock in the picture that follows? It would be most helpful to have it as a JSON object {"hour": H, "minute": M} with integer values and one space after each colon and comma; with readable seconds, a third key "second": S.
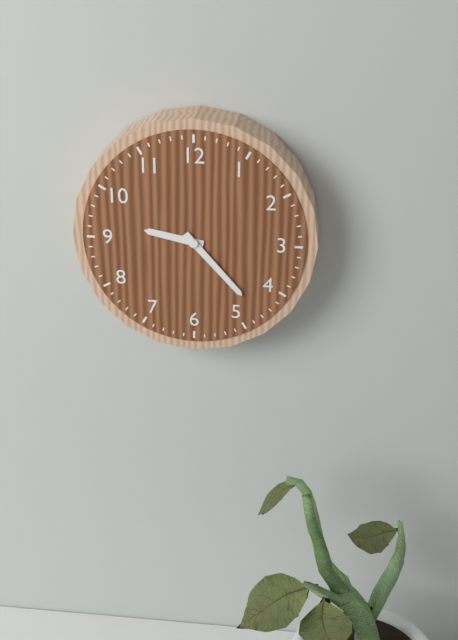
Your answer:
{"hour": 9, "minute": 23}
